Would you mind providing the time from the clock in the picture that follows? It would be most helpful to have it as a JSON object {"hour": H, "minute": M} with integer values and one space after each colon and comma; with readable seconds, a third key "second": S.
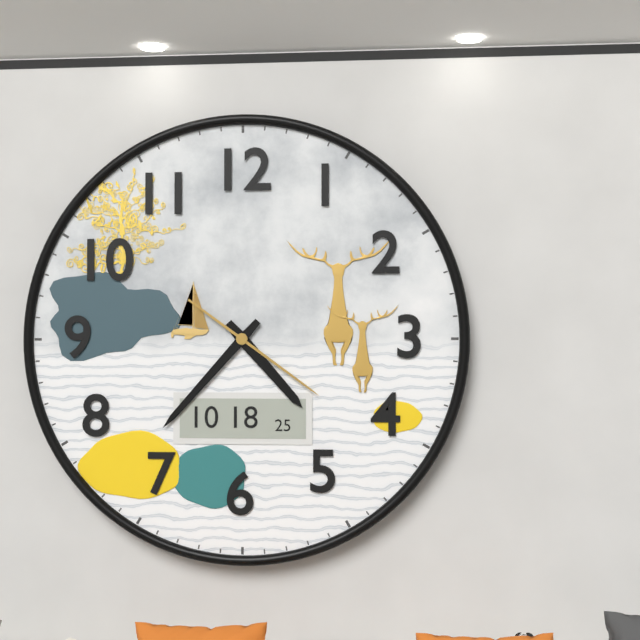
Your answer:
{"hour": 4, "minute": 37, "second": 21}
